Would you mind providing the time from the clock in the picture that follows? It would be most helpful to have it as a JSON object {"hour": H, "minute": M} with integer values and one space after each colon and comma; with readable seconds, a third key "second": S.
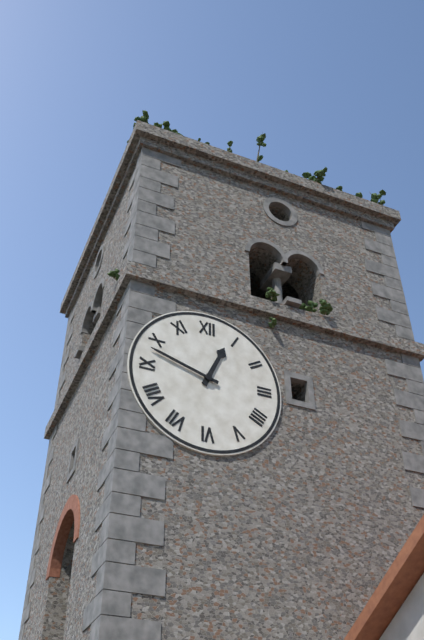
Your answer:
{"hour": 12, "minute": 48}
